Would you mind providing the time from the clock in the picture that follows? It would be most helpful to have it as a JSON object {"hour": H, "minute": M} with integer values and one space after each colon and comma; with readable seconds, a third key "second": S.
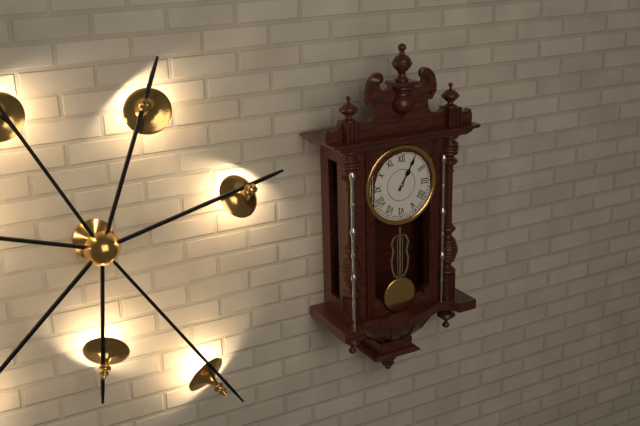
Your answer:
{"hour": 1, "minute": 5}
